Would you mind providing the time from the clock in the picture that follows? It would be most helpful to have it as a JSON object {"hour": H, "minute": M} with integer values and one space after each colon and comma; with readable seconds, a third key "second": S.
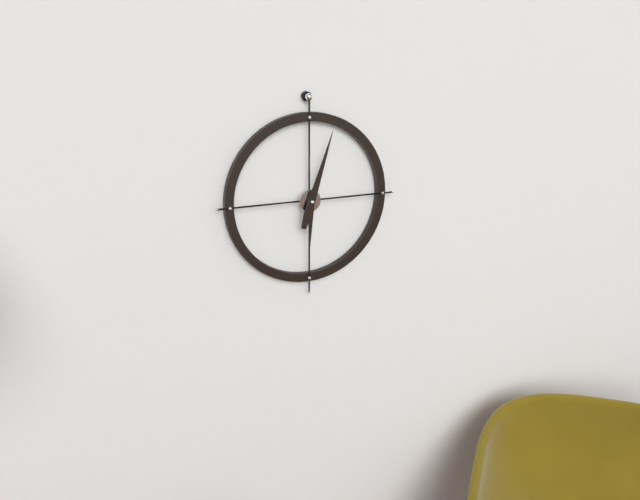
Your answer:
{"hour": 6, "minute": 3}
